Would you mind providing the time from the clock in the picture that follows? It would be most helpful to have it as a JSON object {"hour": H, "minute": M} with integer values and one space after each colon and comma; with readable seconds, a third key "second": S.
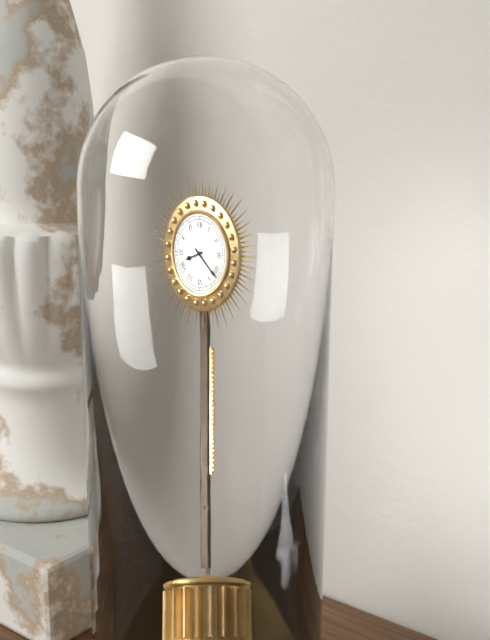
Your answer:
{"hour": 8, "minute": 22}
